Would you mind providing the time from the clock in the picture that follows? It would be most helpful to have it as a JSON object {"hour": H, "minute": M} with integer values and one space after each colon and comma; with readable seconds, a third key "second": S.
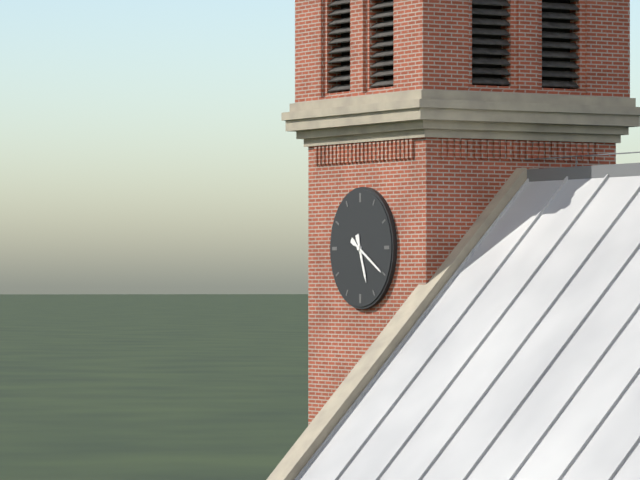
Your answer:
{"hour": 5, "minute": 20}
